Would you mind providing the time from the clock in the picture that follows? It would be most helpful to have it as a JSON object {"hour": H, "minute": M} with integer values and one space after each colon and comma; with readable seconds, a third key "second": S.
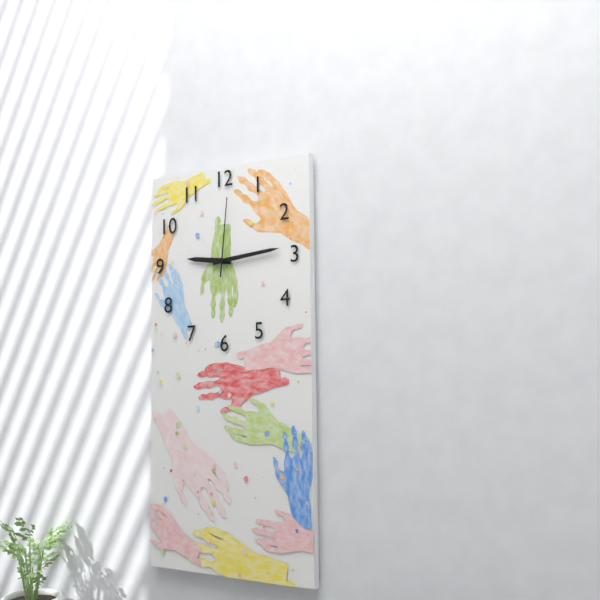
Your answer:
{"hour": 9, "minute": 14, "second": 1}
